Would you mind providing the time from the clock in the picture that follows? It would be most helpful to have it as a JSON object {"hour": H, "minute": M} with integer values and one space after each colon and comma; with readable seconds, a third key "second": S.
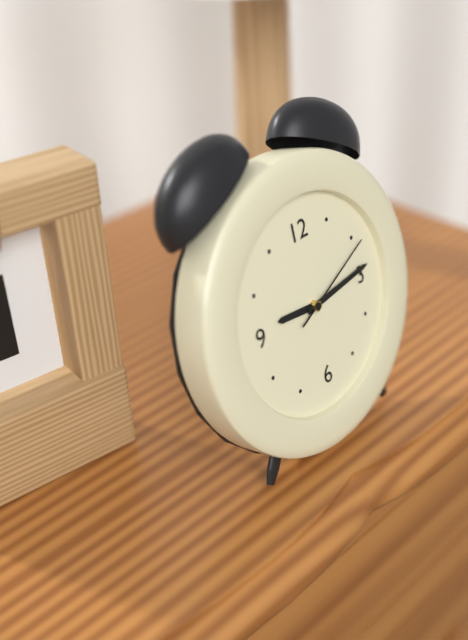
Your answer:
{"hour": 9, "minute": 14, "second": 11}
